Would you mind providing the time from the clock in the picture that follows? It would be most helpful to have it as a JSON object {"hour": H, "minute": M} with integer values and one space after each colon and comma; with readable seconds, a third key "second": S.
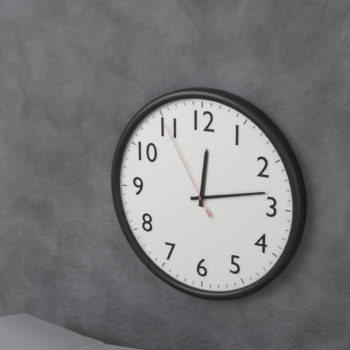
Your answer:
{"hour": 12, "minute": 13, "second": 55}
